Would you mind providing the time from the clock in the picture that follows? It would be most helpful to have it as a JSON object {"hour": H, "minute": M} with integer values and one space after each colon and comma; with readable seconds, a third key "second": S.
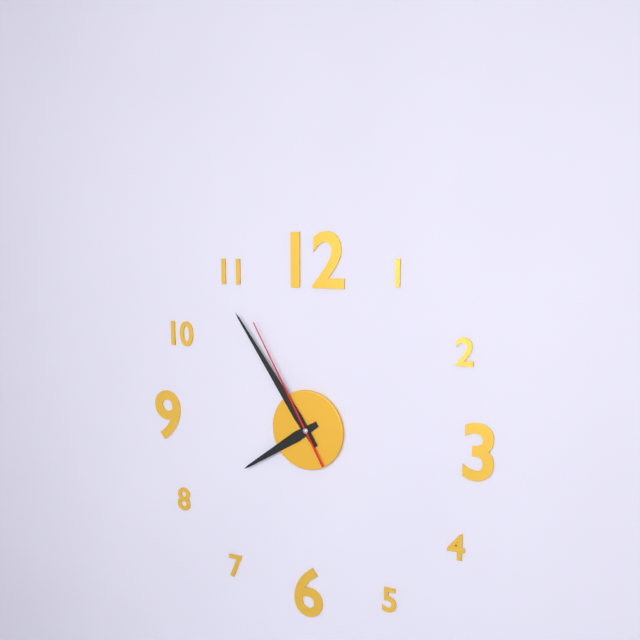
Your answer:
{"hour": 7, "minute": 54, "second": 55}
